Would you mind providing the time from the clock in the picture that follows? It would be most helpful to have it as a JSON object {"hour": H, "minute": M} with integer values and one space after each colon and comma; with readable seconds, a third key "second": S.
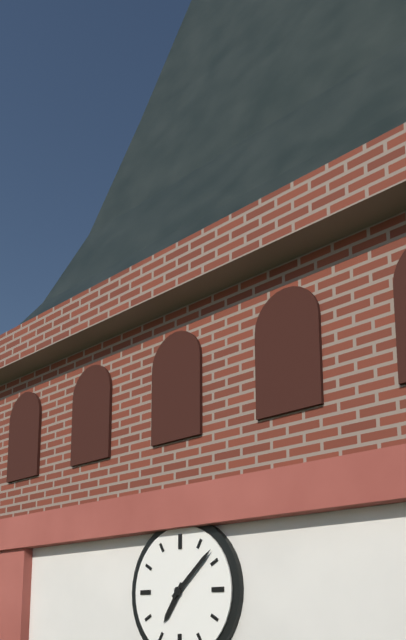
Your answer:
{"hour": 7, "minute": 8}
